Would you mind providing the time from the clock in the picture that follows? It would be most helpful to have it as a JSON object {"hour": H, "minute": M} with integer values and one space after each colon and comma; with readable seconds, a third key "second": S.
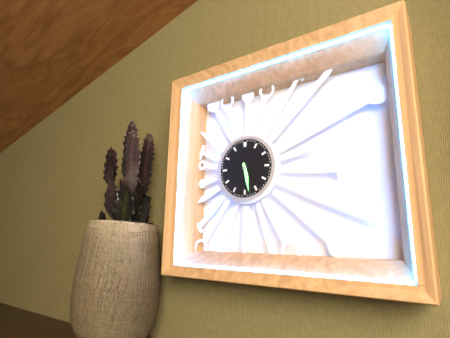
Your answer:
{"hour": 5, "minute": 28}
